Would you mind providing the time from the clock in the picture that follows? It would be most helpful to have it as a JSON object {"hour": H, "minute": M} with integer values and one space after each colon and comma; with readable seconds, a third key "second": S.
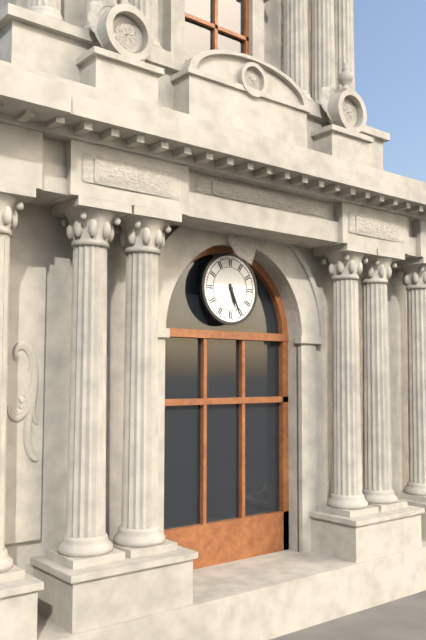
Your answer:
{"hour": 5, "minute": 26}
